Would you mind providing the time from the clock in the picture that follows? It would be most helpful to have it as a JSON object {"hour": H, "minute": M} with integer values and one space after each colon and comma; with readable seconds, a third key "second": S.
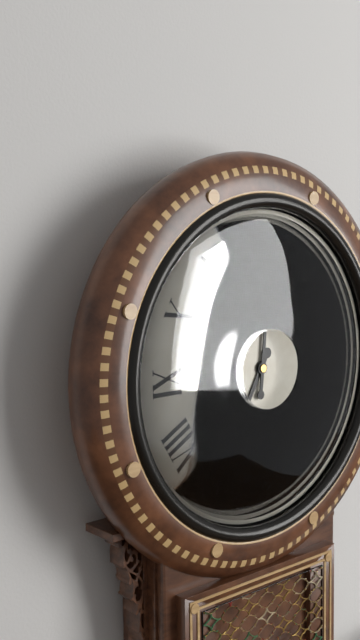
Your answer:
{"hour": 7, "minute": 1}
